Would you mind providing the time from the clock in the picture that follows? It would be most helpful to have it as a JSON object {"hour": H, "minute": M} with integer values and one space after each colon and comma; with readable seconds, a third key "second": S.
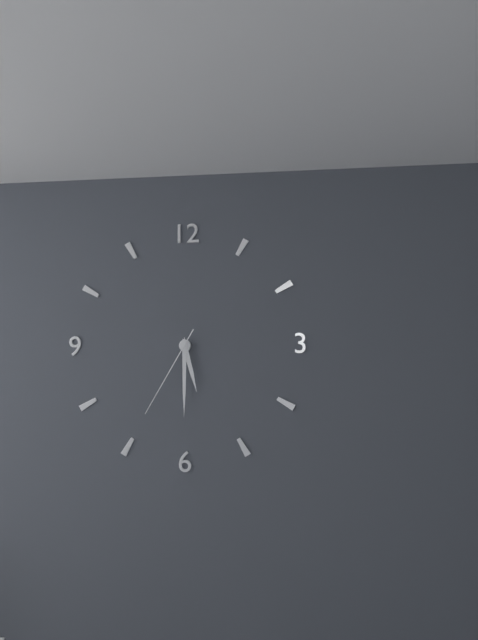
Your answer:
{"hour": 5, "minute": 30, "second": 35}
